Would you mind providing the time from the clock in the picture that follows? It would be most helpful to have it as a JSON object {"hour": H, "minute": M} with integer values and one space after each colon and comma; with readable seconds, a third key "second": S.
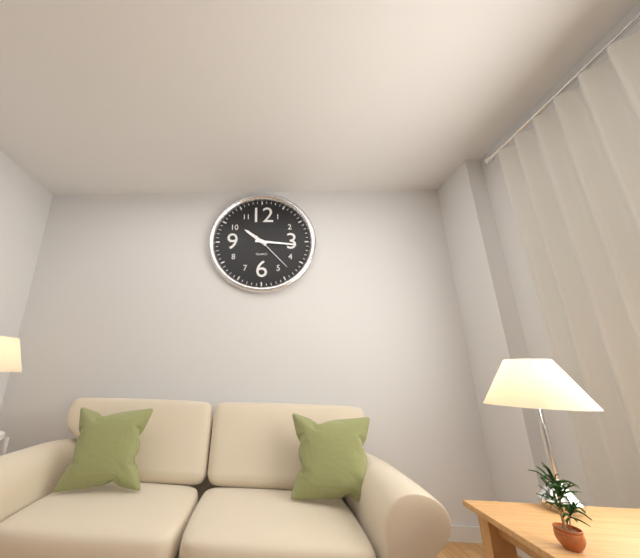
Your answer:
{"hour": 10, "minute": 16}
